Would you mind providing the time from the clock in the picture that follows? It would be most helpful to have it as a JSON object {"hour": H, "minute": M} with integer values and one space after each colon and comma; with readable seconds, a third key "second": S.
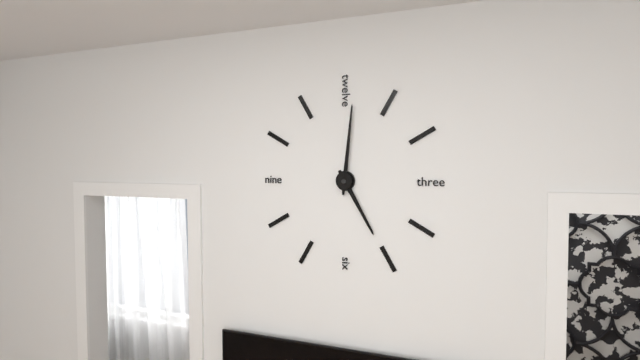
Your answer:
{"hour": 5, "minute": 1}
